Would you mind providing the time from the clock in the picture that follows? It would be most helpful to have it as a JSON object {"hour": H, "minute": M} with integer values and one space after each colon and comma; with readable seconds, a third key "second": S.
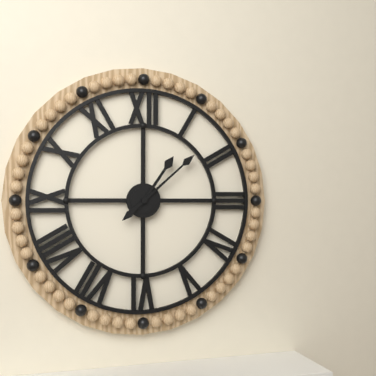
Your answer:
{"hour": 1, "minute": 8}
